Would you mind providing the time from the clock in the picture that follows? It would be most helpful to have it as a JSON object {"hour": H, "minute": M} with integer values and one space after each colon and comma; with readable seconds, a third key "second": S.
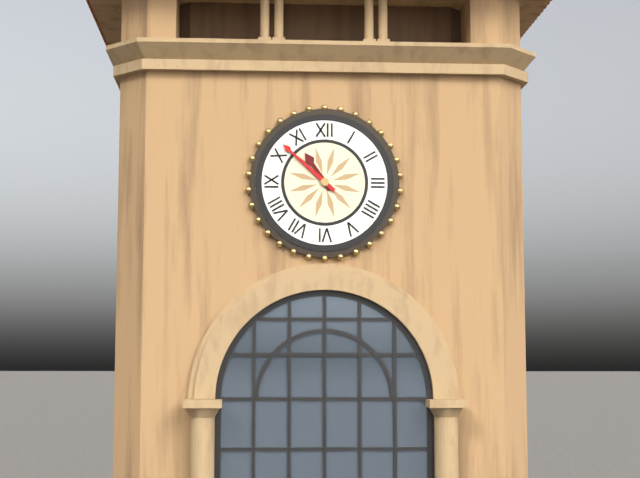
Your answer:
{"hour": 10, "minute": 52}
